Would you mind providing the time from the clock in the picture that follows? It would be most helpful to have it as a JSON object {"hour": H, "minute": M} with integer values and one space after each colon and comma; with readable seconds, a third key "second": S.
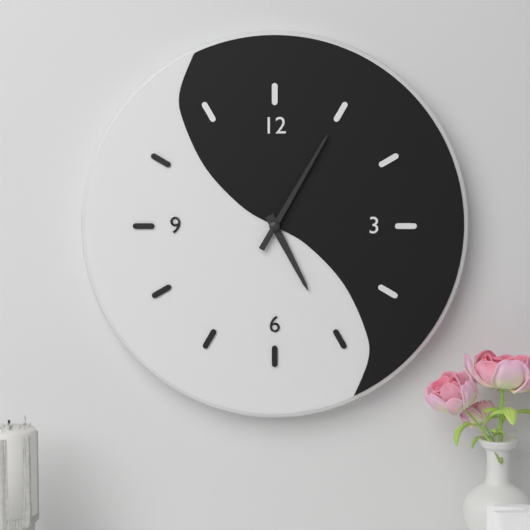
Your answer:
{"hour": 5, "minute": 5}
